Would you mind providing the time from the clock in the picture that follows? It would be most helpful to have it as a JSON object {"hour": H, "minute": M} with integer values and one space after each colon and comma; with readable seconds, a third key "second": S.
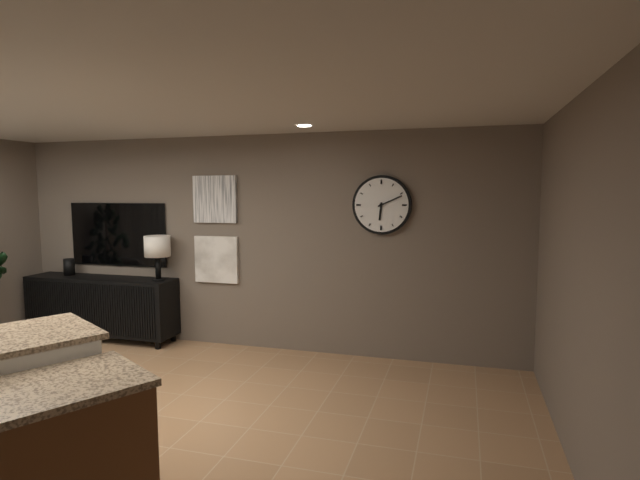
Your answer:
{"hour": 6, "minute": 11}
